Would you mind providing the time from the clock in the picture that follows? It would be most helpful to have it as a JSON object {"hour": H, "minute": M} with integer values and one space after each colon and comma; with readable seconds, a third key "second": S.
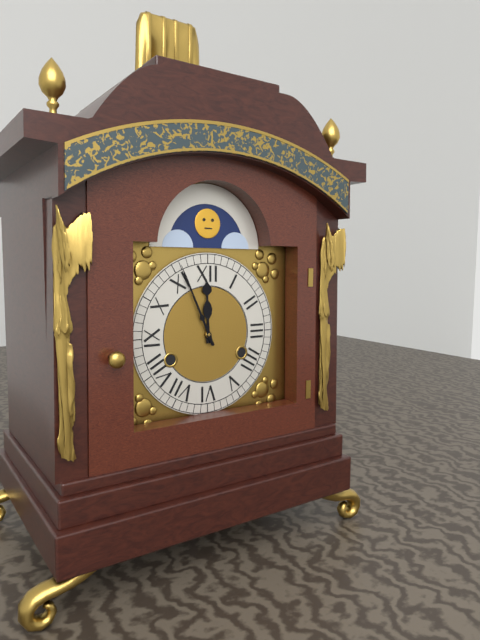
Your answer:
{"hour": 11, "minute": 56}
